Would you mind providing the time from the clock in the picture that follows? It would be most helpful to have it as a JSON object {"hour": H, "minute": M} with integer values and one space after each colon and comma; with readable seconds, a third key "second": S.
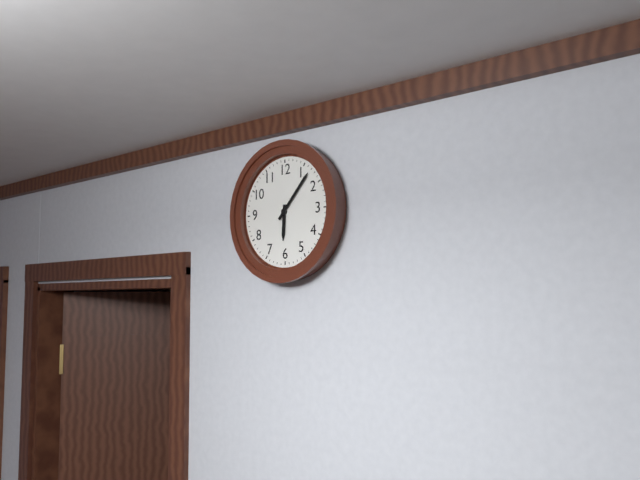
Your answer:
{"hour": 6, "minute": 7}
